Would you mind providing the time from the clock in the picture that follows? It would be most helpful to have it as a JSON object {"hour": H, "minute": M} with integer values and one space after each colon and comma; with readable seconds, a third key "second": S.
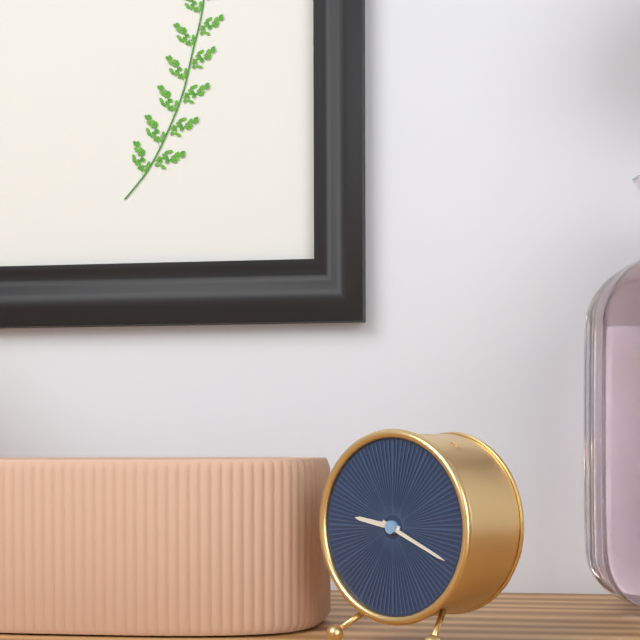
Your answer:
{"hour": 9, "minute": 19}
